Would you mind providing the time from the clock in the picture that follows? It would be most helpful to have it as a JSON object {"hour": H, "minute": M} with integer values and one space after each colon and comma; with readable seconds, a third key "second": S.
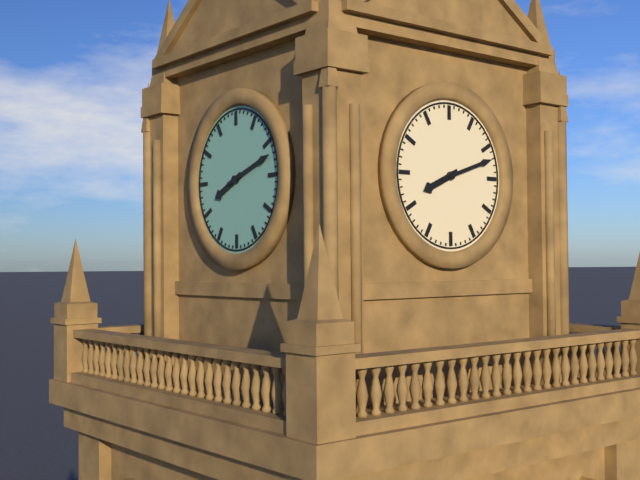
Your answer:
{"hour": 8, "minute": 12}
